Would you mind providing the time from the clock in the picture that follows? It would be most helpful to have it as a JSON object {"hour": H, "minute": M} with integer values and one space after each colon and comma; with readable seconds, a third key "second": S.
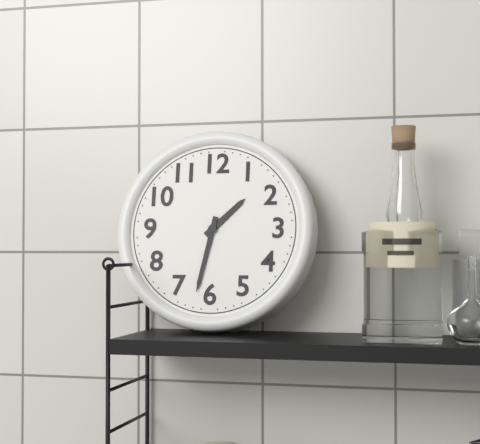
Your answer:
{"hour": 1, "minute": 32}
